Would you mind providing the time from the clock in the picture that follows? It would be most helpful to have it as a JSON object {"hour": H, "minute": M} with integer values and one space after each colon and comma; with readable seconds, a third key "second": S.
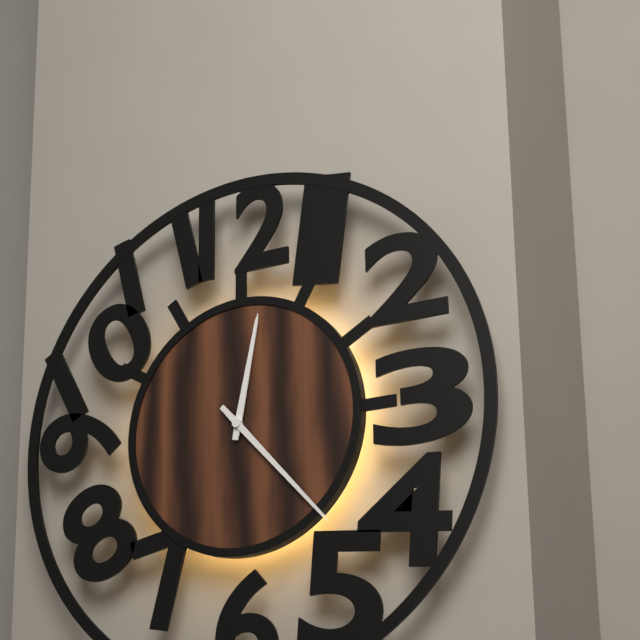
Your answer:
{"hour": 12, "minute": 23}
